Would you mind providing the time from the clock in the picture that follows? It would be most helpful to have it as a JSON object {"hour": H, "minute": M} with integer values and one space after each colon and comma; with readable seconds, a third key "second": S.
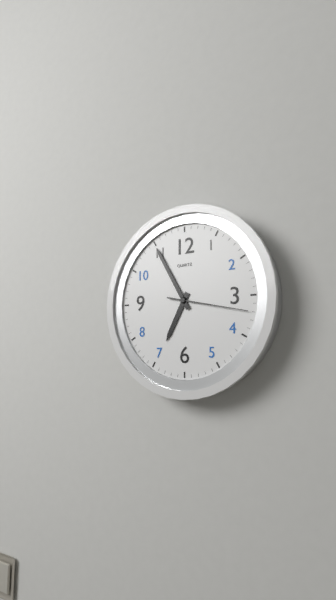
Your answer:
{"hour": 6, "minute": 55, "second": 17}
